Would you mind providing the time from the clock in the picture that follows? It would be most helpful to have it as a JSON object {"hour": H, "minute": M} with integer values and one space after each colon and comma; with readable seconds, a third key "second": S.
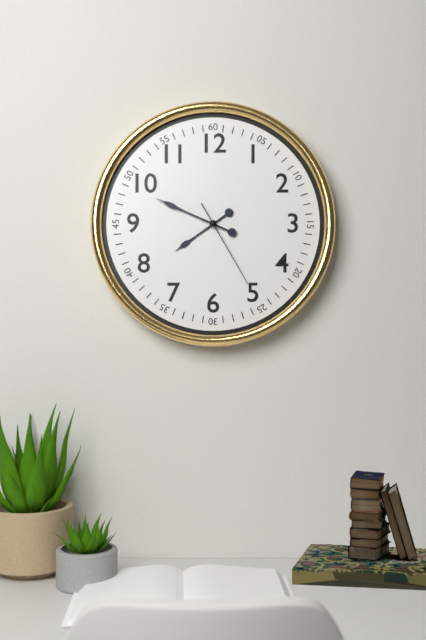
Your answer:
{"hour": 7, "minute": 49, "second": 25}
